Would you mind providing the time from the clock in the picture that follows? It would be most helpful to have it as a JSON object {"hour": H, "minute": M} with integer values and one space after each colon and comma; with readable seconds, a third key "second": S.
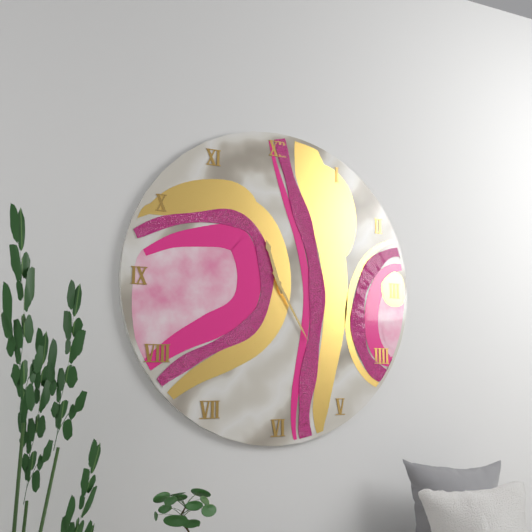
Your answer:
{"hour": 11, "minute": 25}
